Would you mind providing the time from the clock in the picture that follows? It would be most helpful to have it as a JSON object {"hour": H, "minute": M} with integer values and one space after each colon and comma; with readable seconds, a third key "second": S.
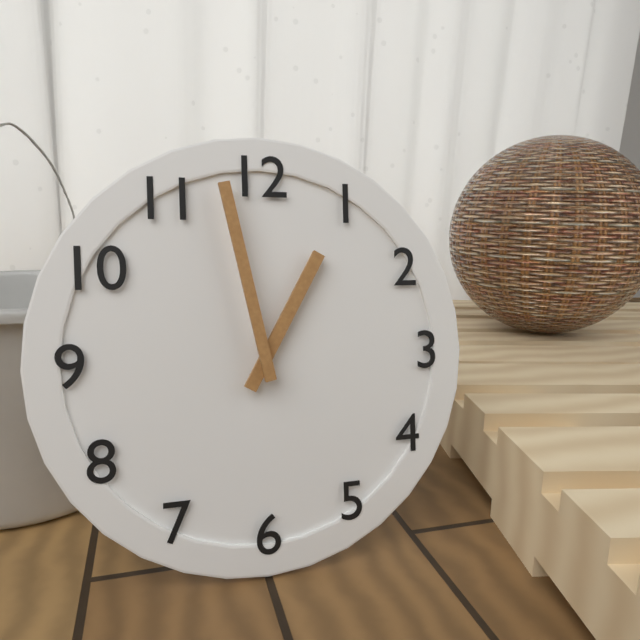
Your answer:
{"hour": 12, "minute": 58}
